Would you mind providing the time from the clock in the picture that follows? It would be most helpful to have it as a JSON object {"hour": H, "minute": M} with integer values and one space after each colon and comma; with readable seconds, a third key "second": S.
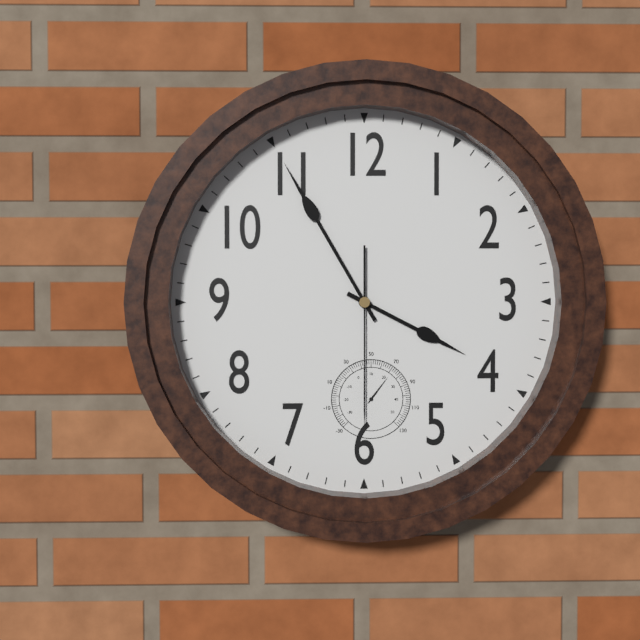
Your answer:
{"hour": 3, "minute": 55, "second": 30}
